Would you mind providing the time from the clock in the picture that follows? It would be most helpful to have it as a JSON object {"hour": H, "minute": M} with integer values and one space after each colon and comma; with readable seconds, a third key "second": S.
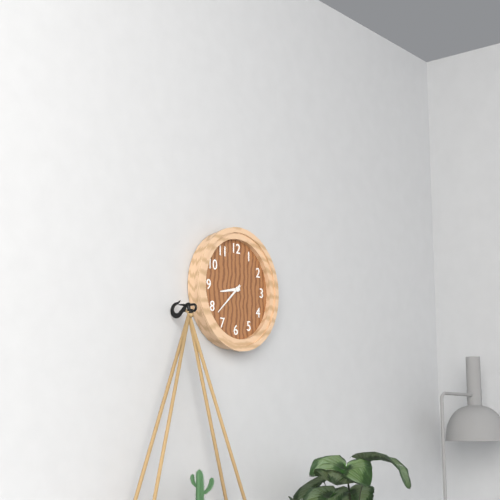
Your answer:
{"hour": 8, "minute": 38}
